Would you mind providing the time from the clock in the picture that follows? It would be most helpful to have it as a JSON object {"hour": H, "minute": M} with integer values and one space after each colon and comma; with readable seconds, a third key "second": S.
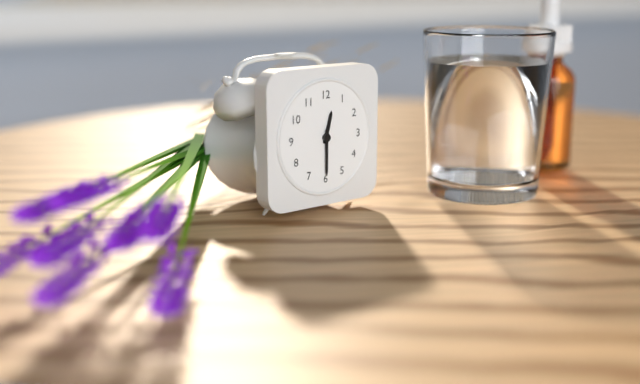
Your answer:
{"hour": 12, "minute": 30}
